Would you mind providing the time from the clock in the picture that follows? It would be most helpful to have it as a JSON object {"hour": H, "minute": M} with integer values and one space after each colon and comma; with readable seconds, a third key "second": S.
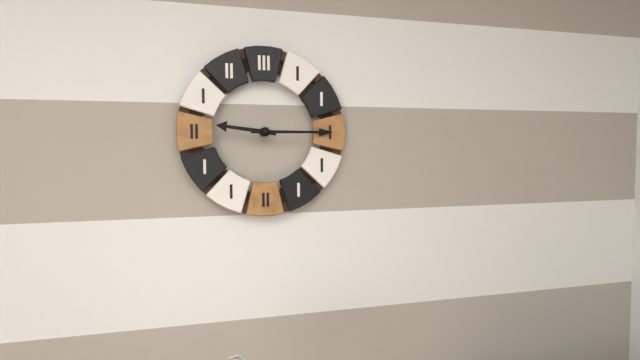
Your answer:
{"hour": 9, "minute": 15}
